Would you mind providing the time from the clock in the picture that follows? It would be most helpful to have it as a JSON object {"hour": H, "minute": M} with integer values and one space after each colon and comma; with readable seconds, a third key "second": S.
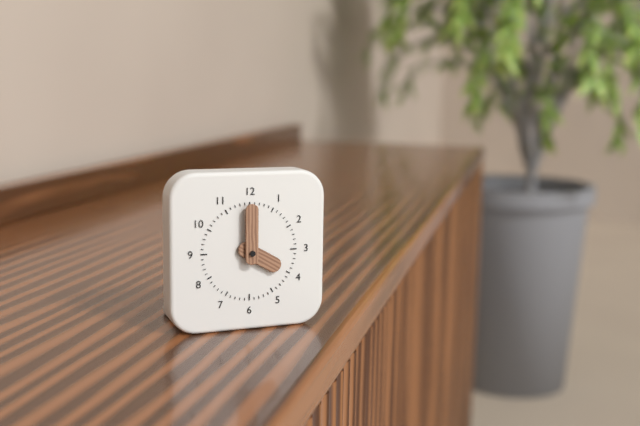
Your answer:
{"hour": 4, "minute": 0}
